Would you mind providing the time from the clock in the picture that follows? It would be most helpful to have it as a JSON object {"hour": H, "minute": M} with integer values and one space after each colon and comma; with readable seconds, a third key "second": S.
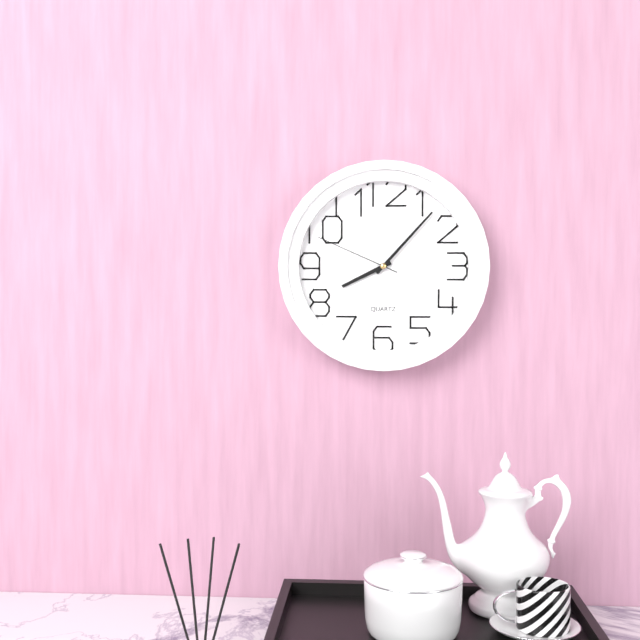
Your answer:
{"hour": 8, "minute": 7, "second": 49}
